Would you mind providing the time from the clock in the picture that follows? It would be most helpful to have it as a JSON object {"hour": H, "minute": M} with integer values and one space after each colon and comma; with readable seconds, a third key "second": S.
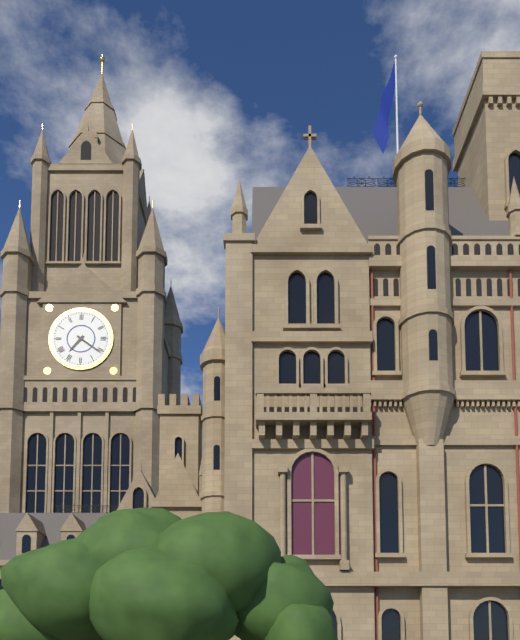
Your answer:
{"hour": 7, "minute": 21}
